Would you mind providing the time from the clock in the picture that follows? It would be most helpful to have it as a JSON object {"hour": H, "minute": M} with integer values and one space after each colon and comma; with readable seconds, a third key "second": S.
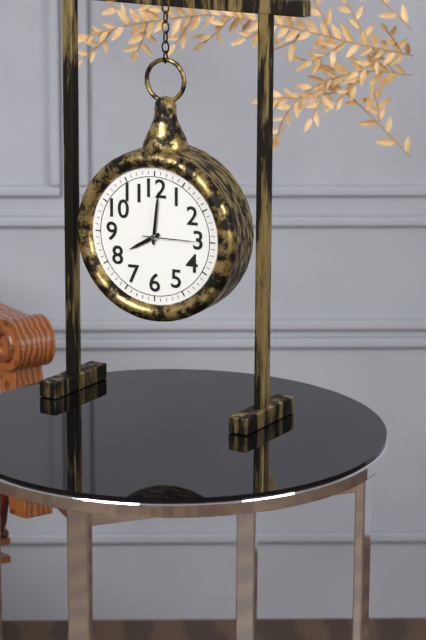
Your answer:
{"hour": 8, "minute": 1, "second": 15}
